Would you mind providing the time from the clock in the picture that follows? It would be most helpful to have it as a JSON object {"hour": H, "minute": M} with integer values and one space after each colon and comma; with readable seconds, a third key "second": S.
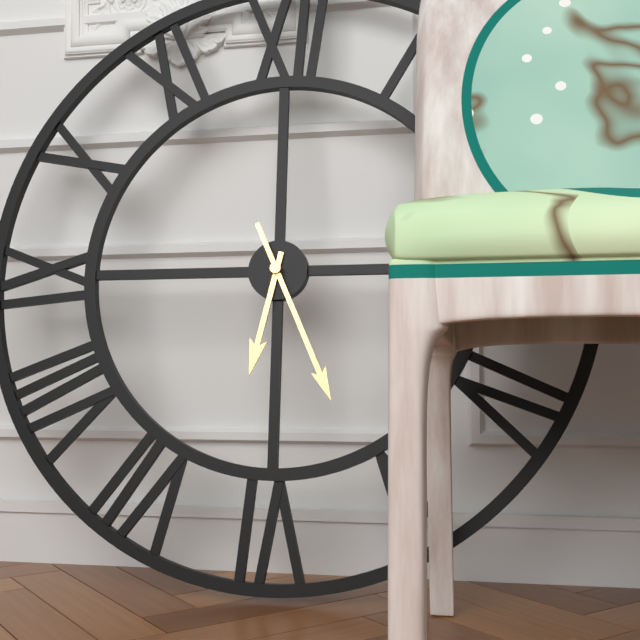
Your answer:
{"hour": 6, "minute": 26}
